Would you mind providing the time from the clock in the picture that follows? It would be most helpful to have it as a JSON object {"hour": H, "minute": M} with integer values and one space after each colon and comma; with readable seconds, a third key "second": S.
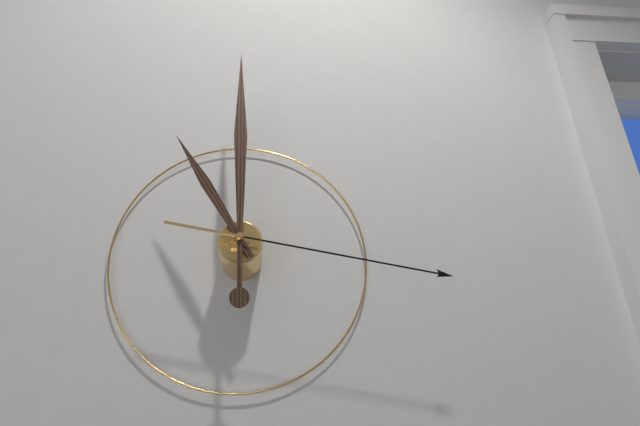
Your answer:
{"hour": 11, "minute": 0, "second": 17}
